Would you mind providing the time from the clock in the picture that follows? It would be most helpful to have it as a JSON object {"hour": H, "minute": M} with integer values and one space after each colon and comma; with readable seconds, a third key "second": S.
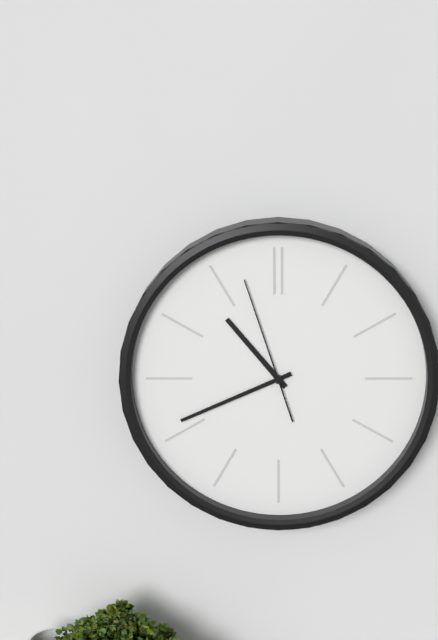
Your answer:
{"hour": 10, "minute": 41, "second": 57}
